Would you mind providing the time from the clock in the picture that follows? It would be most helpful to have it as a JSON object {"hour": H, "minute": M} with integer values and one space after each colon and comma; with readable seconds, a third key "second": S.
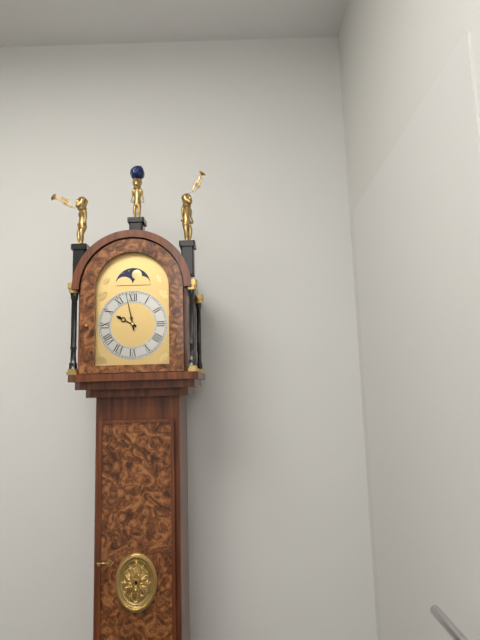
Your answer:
{"hour": 9, "minute": 58}
